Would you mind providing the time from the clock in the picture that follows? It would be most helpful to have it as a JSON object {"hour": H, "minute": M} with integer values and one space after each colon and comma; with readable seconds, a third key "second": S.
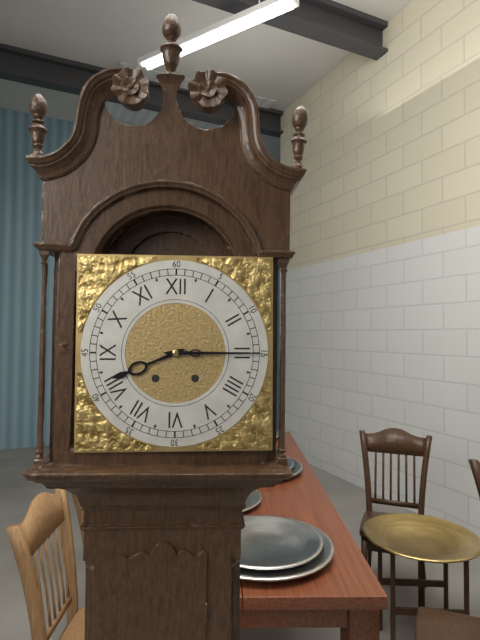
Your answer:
{"hour": 8, "minute": 15}
